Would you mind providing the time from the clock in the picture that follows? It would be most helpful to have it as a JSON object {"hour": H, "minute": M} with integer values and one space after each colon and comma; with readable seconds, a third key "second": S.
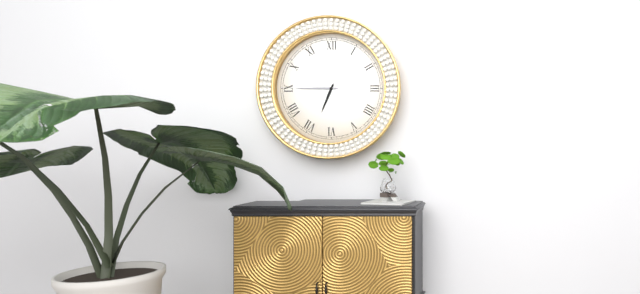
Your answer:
{"hour": 6, "minute": 45}
